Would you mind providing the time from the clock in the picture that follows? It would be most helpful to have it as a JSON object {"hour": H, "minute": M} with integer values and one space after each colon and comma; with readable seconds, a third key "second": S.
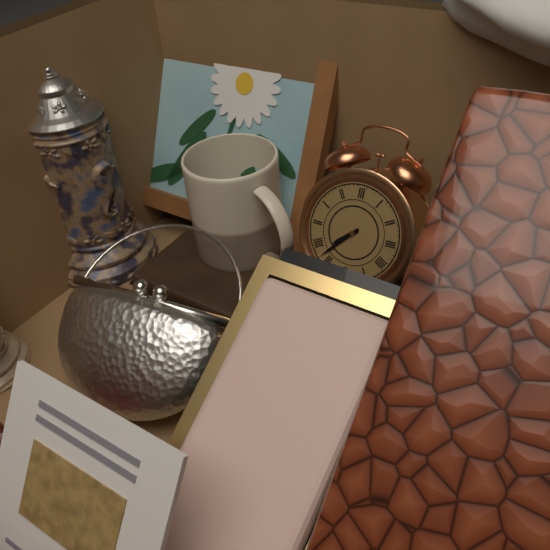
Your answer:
{"hour": 7, "minute": 37}
